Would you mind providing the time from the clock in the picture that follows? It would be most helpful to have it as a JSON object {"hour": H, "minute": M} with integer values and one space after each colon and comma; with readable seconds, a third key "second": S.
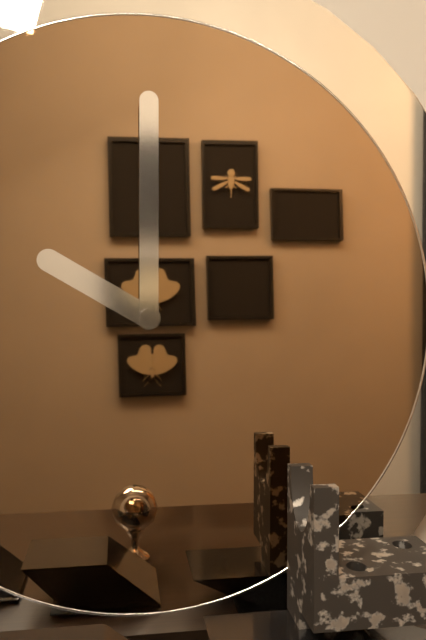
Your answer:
{"hour": 10, "minute": 0}
